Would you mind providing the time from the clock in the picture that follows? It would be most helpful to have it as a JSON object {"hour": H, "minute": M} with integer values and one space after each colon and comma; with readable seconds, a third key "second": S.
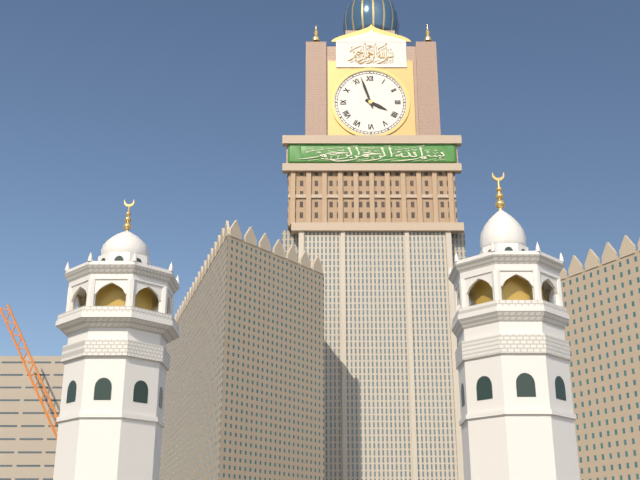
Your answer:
{"hour": 3, "minute": 57}
